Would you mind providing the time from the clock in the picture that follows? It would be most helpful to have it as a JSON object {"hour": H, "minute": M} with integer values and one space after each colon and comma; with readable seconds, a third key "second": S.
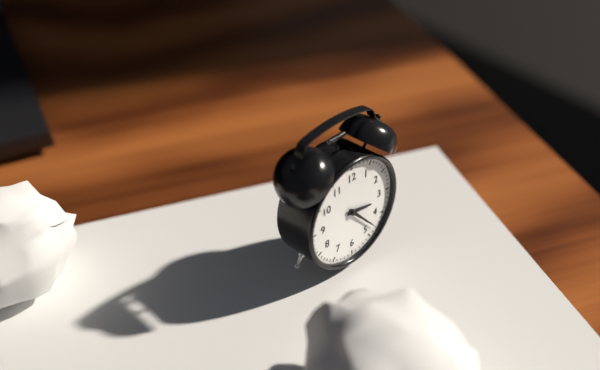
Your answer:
{"hour": 3, "minute": 23}
